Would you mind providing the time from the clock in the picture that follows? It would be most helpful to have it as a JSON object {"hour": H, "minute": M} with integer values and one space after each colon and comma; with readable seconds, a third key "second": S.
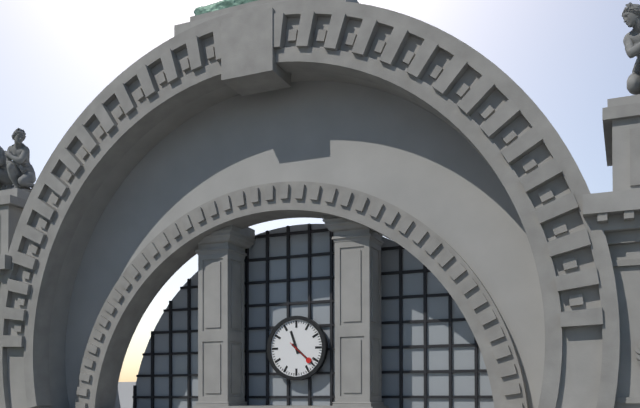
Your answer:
{"hour": 11, "minute": 22}
